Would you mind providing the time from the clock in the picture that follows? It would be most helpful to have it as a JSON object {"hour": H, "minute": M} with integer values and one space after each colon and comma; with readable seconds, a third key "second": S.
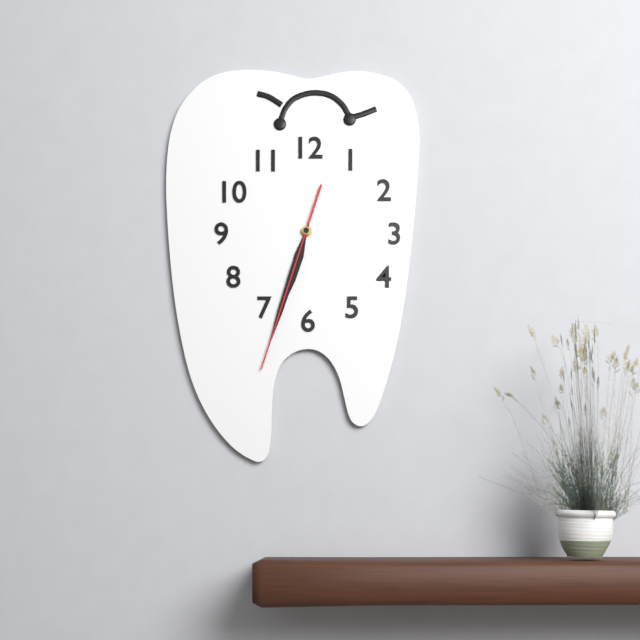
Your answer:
{"hour": 6, "minute": 33, "second": 33}
